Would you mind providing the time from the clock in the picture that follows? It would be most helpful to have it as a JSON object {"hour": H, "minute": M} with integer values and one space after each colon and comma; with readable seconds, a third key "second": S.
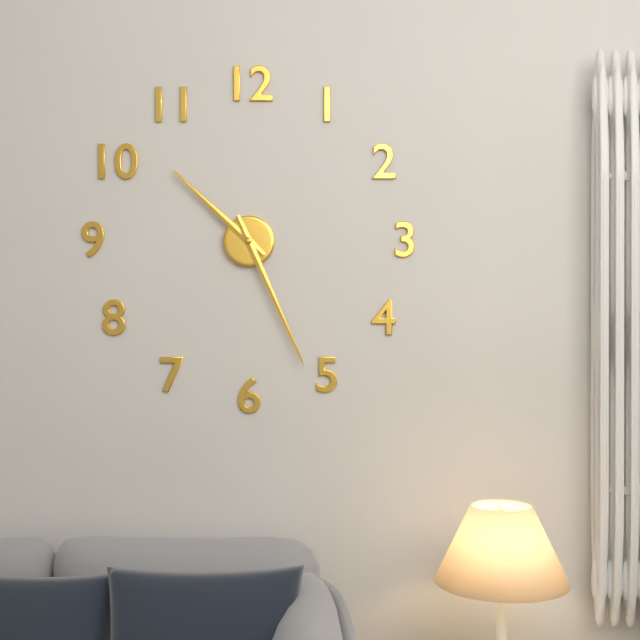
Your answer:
{"hour": 10, "minute": 26}
